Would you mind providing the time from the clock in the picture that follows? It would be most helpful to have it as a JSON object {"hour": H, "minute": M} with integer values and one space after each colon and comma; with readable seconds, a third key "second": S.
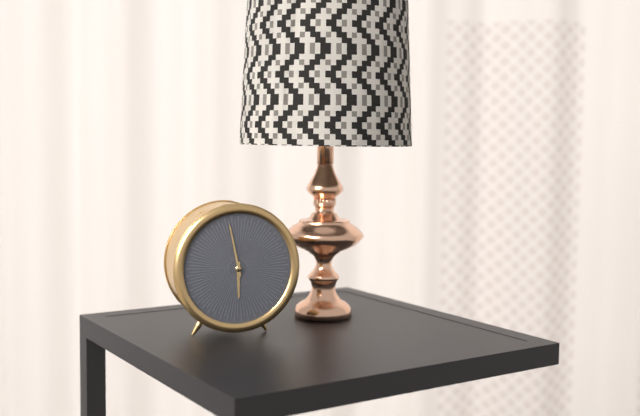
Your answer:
{"hour": 5, "minute": 58}
